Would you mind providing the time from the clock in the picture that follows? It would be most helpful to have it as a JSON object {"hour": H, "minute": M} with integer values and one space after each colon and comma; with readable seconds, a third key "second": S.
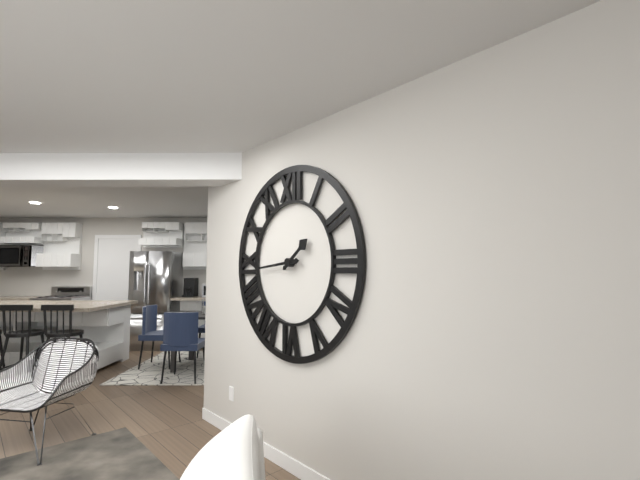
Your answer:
{"hour": 1, "minute": 44}
